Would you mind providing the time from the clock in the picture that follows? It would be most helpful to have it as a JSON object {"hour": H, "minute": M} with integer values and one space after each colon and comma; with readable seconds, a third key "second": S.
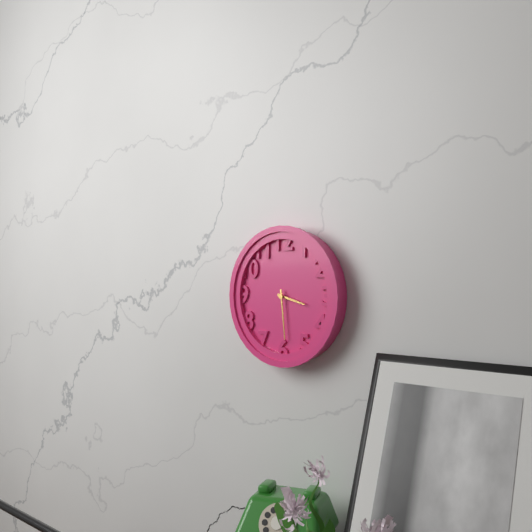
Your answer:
{"hour": 3, "minute": 29}
